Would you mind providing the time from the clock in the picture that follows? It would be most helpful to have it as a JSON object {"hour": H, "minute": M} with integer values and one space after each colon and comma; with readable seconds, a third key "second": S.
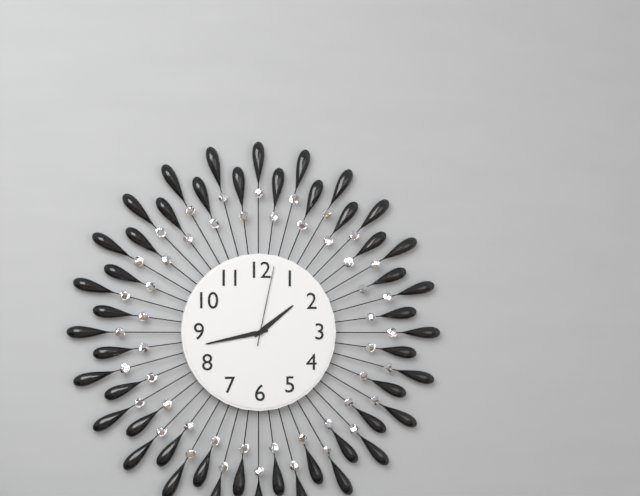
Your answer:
{"hour": 1, "minute": 43, "second": 2}
